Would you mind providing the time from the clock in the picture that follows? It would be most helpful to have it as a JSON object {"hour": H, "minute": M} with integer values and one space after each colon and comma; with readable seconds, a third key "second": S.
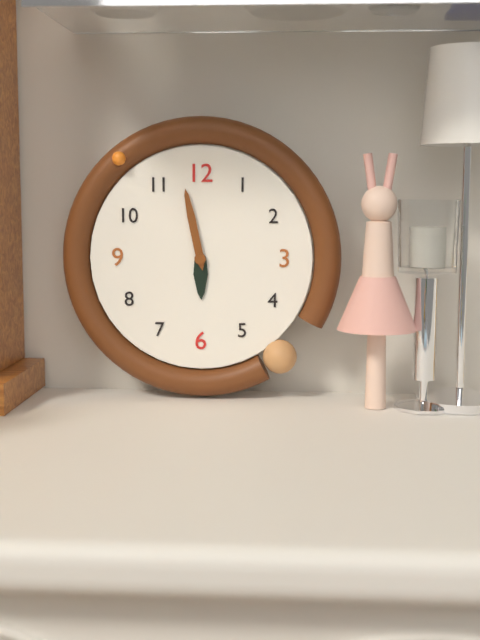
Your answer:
{"hour": 5, "minute": 58}
